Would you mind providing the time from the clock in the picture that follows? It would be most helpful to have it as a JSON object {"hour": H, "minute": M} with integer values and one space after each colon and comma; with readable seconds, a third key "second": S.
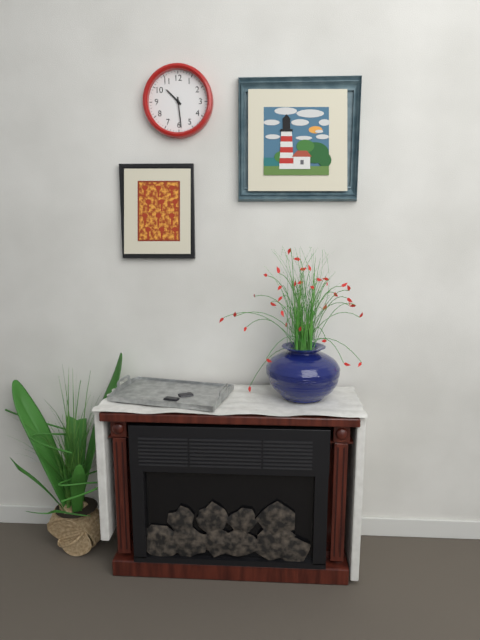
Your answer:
{"hour": 10, "minute": 29}
